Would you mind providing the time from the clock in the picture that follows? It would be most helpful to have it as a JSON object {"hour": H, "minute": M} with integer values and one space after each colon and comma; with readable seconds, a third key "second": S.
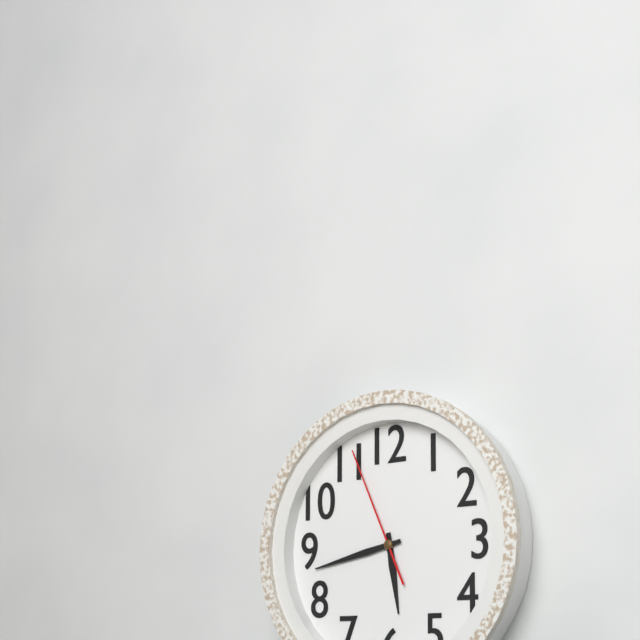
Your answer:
{"hour": 5, "minute": 43, "second": 56}
